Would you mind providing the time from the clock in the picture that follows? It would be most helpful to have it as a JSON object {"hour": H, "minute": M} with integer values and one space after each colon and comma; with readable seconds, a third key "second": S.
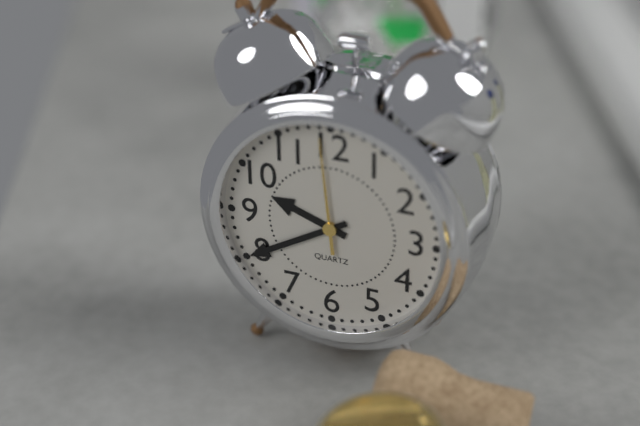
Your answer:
{"hour": 9, "minute": 40, "second": 59}
